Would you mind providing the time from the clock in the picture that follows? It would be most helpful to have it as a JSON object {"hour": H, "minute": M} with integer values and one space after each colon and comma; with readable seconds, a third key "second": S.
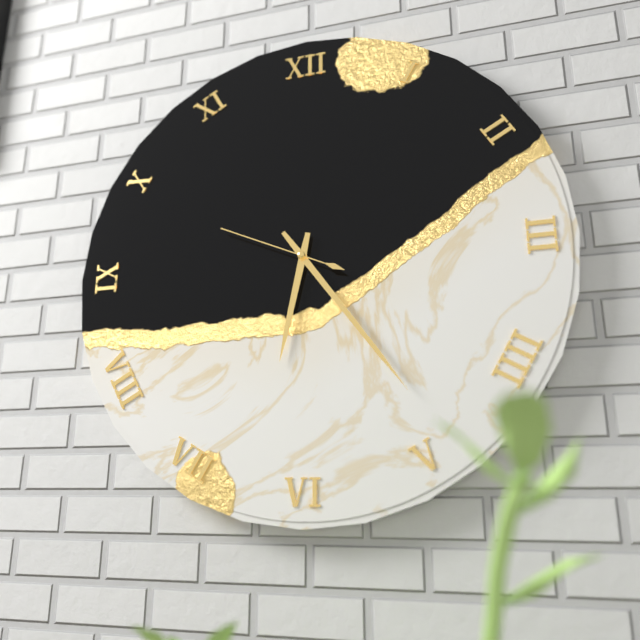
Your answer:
{"hour": 6, "minute": 24, "second": 49}
